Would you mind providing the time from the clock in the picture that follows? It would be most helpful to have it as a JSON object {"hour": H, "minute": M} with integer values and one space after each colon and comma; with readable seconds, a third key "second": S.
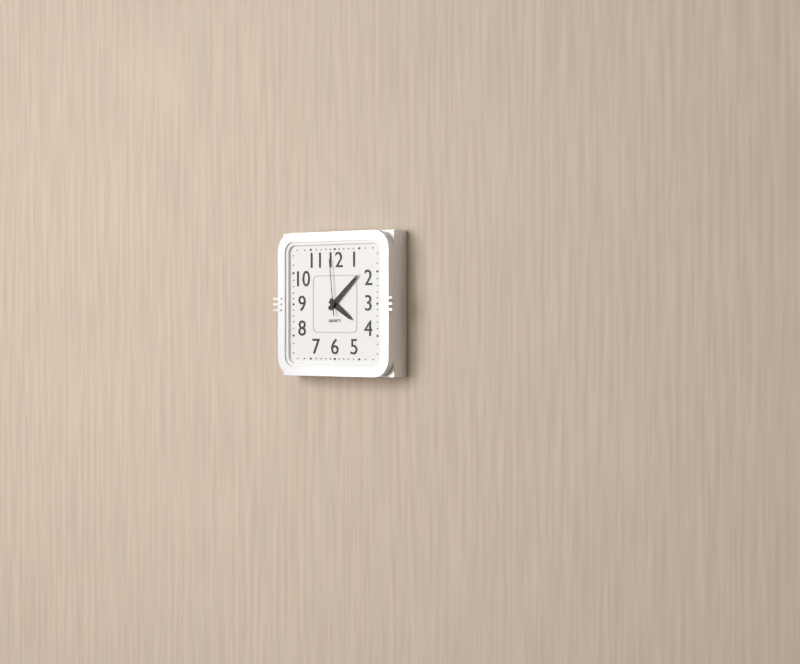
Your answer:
{"hour": 4, "minute": 8, "second": 59}
